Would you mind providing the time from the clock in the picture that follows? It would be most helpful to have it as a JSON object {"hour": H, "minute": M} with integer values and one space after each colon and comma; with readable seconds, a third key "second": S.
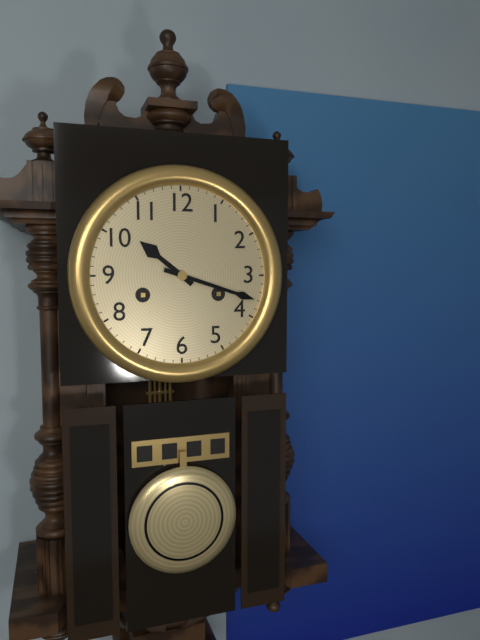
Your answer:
{"hour": 10, "minute": 18}
